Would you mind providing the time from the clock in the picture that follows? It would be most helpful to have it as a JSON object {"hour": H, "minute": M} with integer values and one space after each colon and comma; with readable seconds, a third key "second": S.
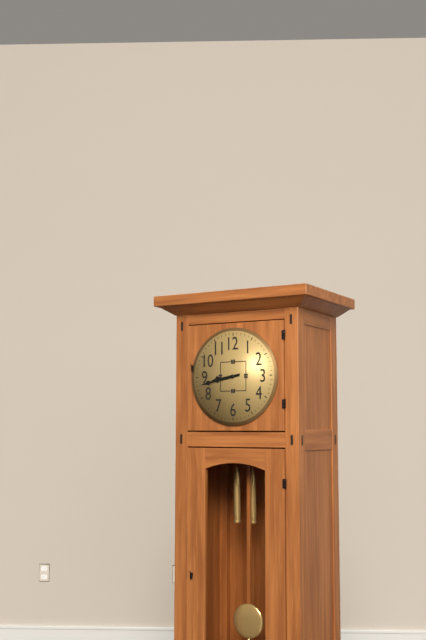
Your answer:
{"hour": 8, "minute": 43}
